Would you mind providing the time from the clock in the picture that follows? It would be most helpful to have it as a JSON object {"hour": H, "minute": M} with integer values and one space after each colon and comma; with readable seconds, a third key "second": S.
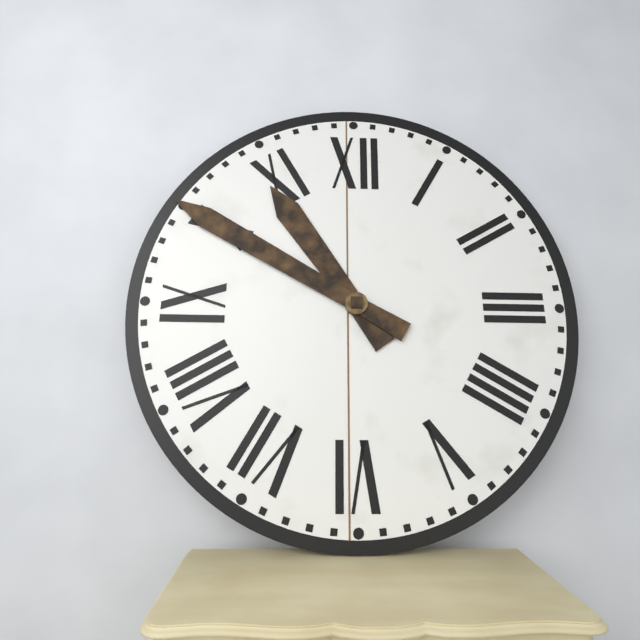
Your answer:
{"hour": 10, "minute": 50}
